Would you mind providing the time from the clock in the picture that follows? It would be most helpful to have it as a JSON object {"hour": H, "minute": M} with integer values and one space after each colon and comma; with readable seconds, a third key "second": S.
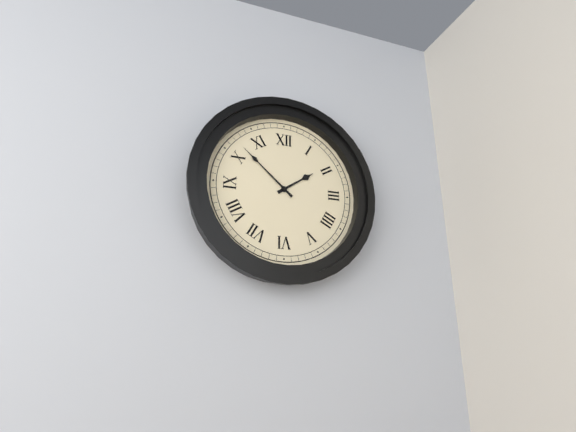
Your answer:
{"hour": 1, "minute": 52}
